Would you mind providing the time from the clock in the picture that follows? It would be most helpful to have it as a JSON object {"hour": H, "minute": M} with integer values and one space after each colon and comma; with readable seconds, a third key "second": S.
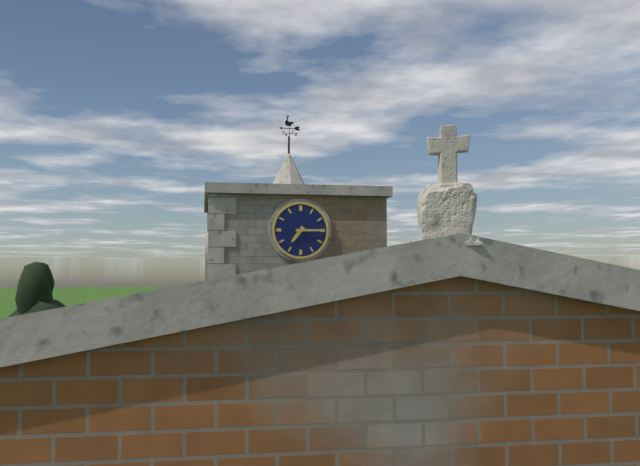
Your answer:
{"hour": 7, "minute": 15}
